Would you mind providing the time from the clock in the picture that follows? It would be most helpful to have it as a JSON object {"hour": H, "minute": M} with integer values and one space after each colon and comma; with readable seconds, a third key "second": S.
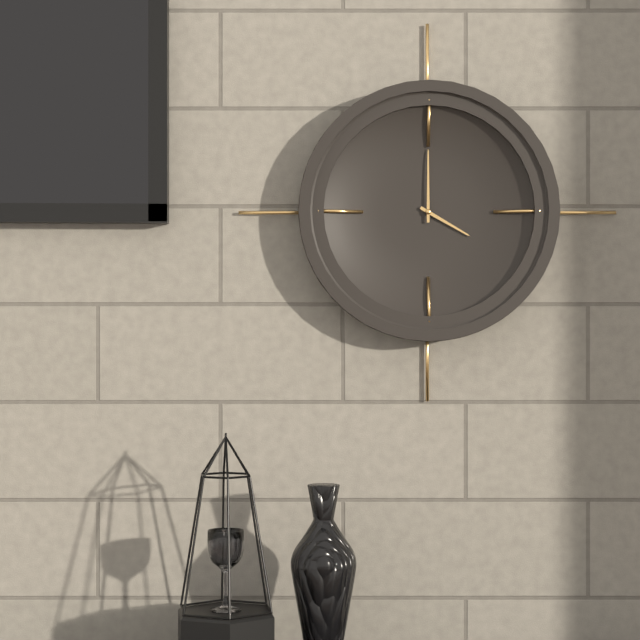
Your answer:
{"hour": 4, "minute": 0}
